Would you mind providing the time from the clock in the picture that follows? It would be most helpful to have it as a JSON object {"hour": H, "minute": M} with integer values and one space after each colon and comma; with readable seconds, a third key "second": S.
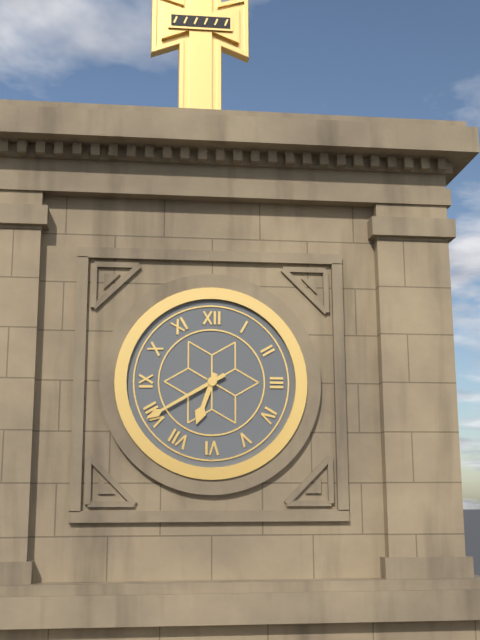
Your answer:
{"hour": 6, "minute": 40}
